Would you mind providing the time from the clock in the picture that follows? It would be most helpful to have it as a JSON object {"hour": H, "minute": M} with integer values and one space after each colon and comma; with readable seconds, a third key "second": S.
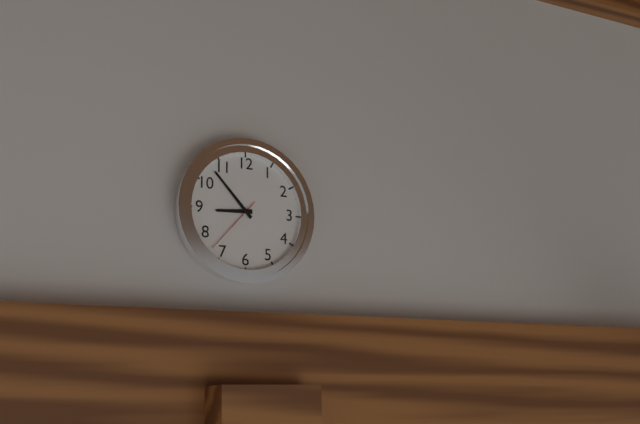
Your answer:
{"hour": 8, "minute": 53, "second": 37}
